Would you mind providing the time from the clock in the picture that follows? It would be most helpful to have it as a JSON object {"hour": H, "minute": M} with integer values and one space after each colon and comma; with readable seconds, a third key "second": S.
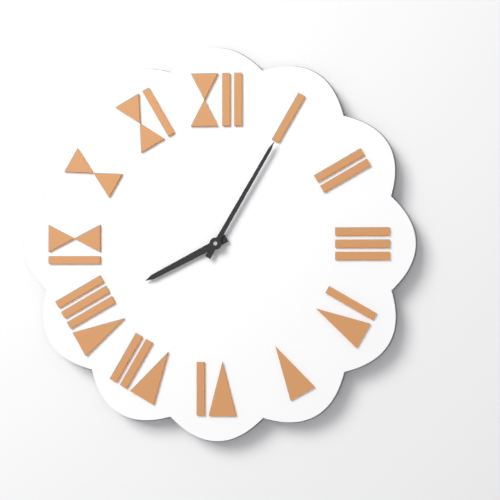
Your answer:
{"hour": 8, "minute": 5}
